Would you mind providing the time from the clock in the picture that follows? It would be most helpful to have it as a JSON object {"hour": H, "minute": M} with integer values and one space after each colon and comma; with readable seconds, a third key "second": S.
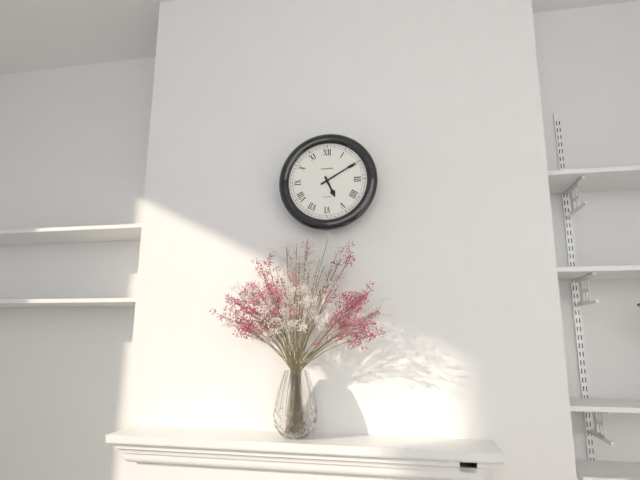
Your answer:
{"hour": 5, "minute": 10}
